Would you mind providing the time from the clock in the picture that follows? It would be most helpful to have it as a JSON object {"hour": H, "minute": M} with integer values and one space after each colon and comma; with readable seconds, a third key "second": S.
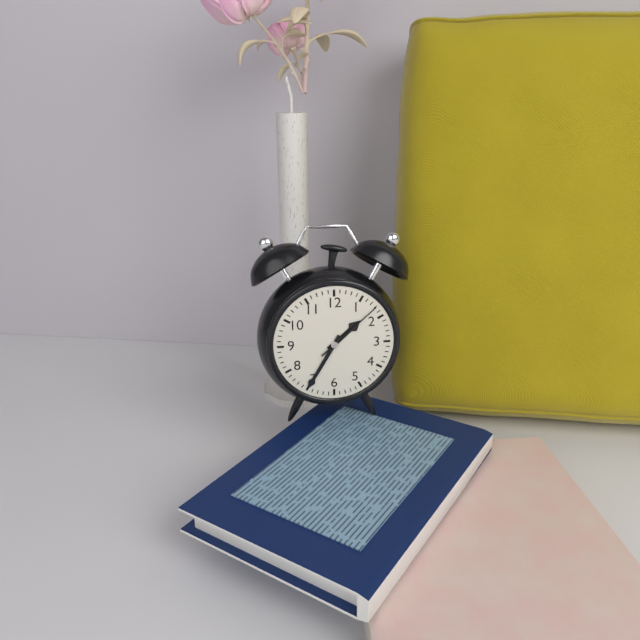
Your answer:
{"hour": 1, "minute": 35, "second": 8}
